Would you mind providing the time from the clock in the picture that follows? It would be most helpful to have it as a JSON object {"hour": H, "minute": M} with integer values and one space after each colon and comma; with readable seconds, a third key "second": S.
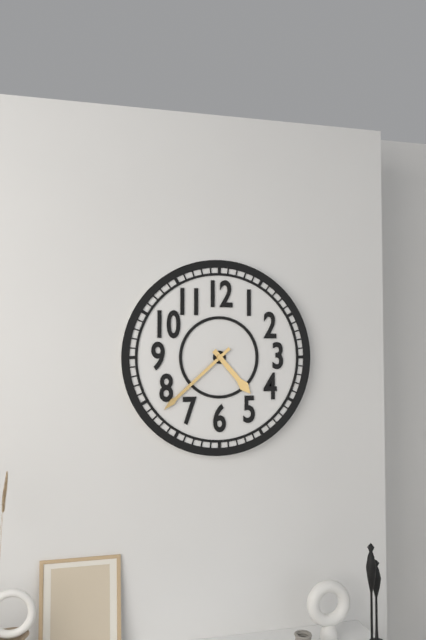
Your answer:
{"hour": 4, "minute": 38}
